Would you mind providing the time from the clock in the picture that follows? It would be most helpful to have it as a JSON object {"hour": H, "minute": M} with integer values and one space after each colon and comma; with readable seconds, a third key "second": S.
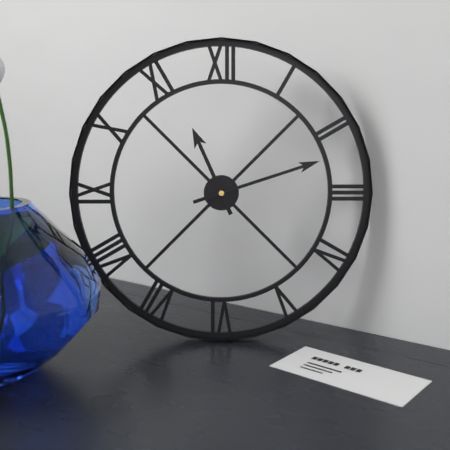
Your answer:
{"hour": 11, "minute": 12}
